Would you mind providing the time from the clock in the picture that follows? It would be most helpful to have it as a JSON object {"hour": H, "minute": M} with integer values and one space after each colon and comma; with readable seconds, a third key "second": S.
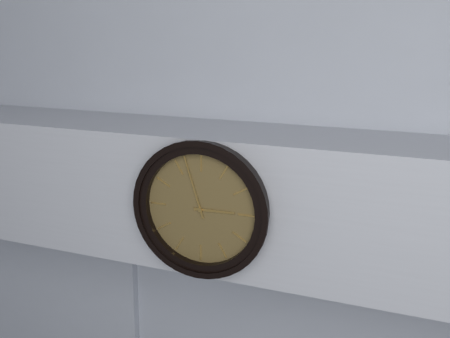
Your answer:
{"hour": 2, "minute": 57}
